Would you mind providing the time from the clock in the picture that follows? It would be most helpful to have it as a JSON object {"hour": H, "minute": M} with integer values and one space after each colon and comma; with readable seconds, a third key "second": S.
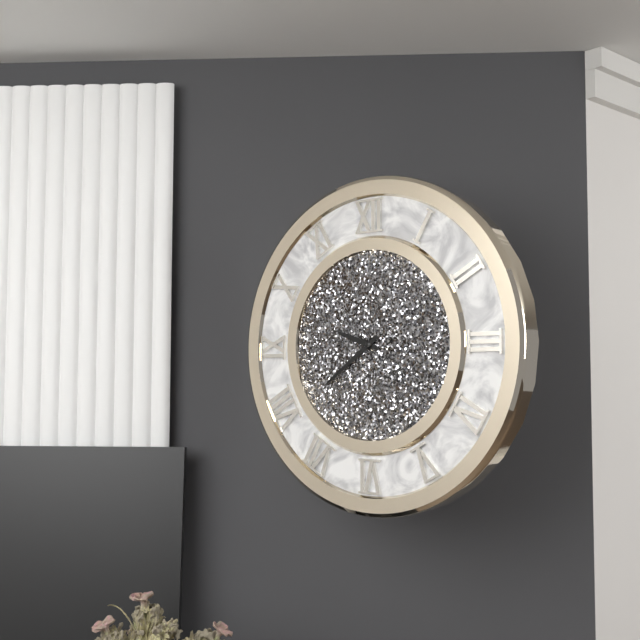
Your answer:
{"hour": 9, "minute": 39}
